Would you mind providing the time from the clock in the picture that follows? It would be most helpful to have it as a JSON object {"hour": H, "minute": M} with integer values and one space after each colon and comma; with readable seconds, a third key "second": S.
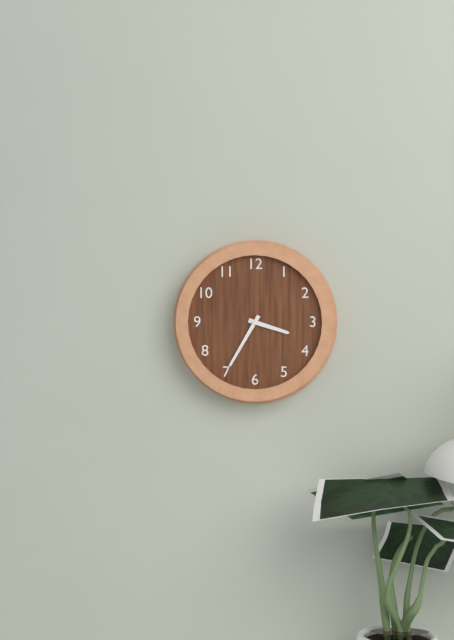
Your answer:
{"hour": 3, "minute": 35}
